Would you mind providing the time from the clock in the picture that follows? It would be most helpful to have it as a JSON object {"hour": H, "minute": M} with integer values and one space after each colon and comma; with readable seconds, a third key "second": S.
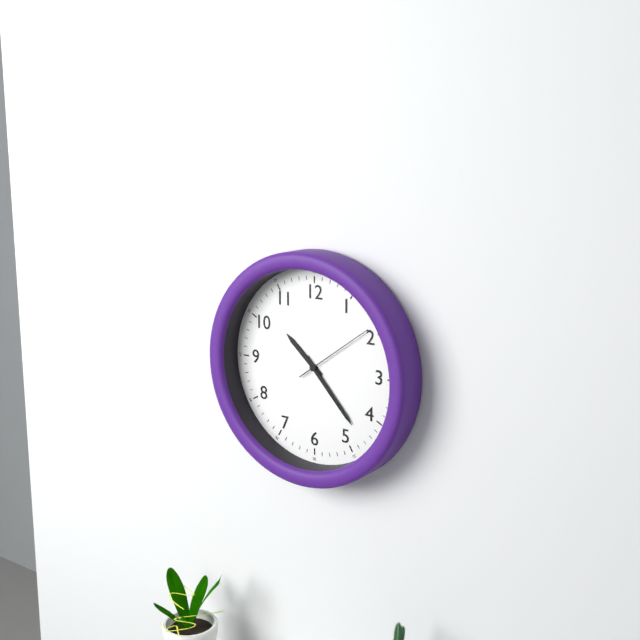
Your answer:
{"hour": 10, "minute": 23, "second": 9}
